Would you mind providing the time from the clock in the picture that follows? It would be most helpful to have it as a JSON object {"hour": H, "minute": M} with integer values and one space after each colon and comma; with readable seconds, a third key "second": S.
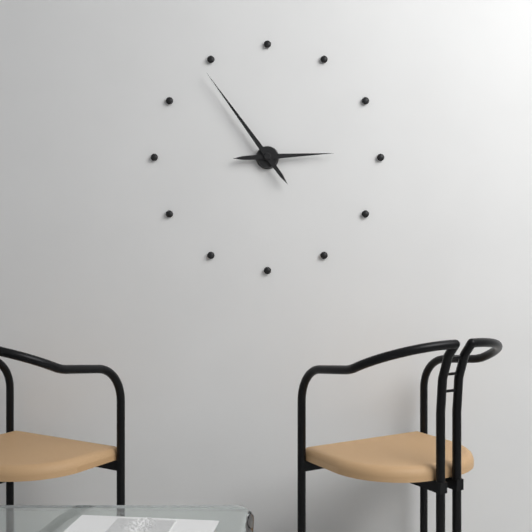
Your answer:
{"hour": 2, "minute": 54}
